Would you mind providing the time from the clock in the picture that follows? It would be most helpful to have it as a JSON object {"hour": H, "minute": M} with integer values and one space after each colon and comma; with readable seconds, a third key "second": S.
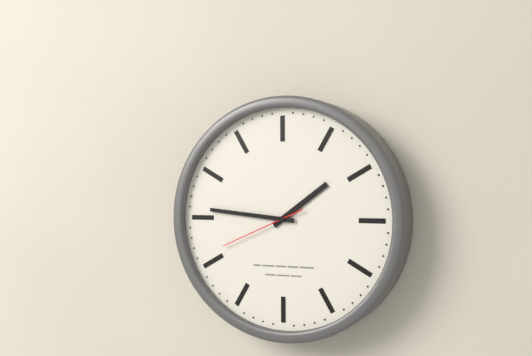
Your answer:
{"hour": 1, "minute": 46, "second": 41}
